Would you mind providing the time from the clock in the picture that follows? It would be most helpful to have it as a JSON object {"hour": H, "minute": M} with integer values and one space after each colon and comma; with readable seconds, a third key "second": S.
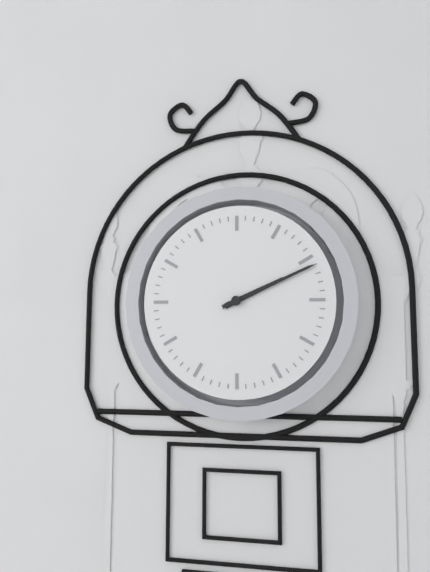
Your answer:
{"hour": 2, "minute": 11}
